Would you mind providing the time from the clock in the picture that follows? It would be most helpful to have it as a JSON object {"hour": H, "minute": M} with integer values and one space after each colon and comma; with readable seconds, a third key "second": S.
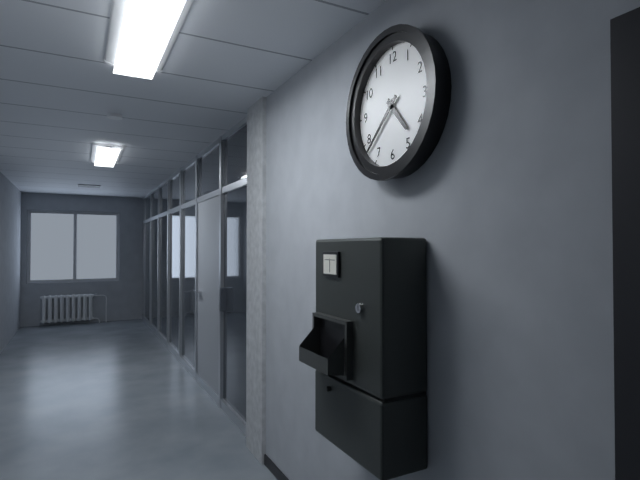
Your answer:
{"hour": 4, "minute": 38}
